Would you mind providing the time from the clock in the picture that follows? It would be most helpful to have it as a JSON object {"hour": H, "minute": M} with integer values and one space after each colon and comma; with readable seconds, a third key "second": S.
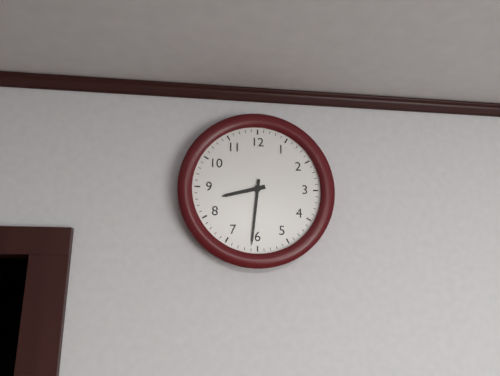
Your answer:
{"hour": 8, "minute": 31}
